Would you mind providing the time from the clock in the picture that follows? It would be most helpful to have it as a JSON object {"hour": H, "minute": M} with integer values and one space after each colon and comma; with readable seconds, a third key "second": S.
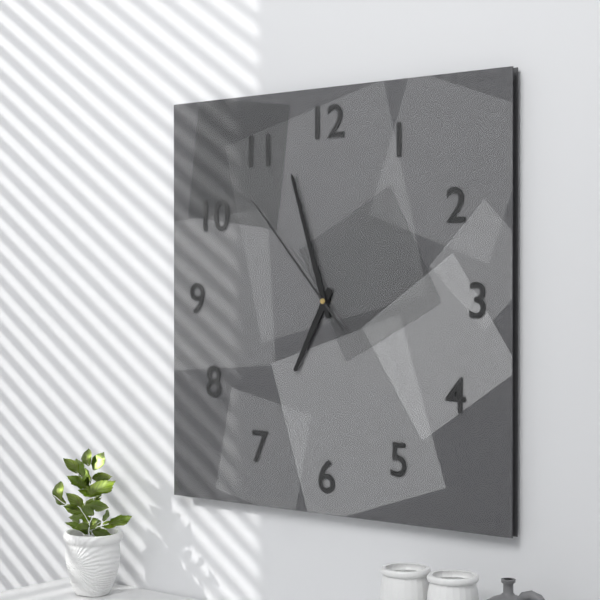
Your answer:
{"hour": 6, "minute": 57, "second": 53}
